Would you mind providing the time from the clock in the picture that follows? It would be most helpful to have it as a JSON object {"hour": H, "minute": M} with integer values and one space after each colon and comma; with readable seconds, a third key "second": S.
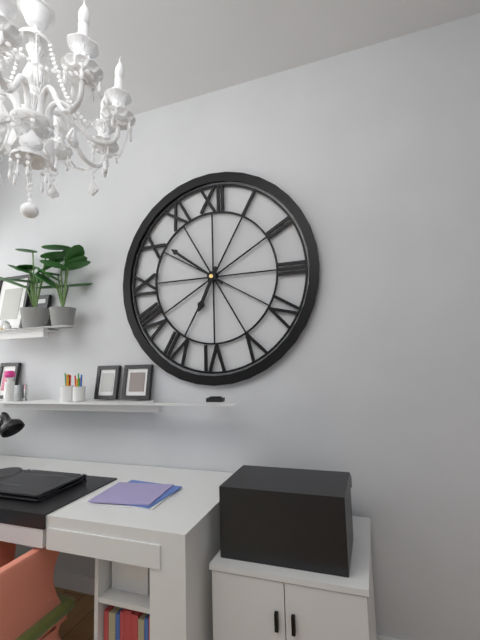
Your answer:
{"hour": 6, "minute": 51}
